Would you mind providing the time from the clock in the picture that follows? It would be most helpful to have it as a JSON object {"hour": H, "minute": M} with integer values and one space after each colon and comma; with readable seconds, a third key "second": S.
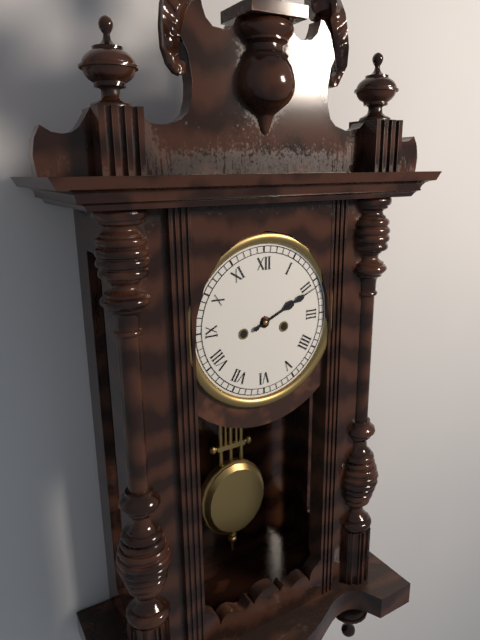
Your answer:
{"hour": 2, "minute": 11}
